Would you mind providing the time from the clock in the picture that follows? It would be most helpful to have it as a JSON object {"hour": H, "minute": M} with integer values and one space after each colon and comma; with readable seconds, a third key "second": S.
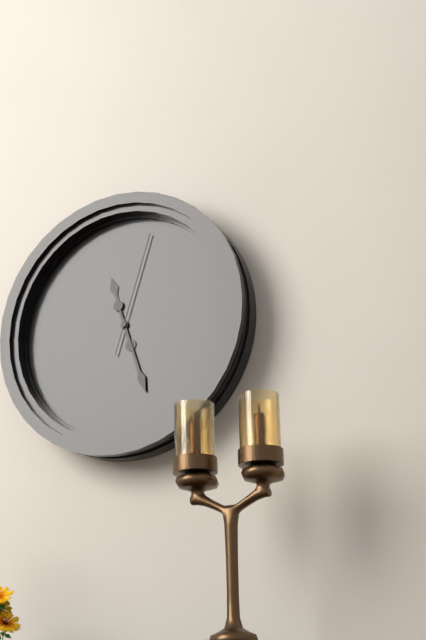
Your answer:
{"hour": 11, "minute": 27, "second": 3}
